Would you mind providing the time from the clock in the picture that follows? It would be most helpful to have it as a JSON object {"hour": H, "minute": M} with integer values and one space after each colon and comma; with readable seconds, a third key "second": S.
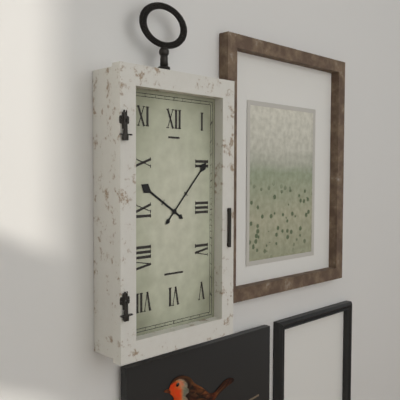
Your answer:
{"hour": 10, "minute": 7}
